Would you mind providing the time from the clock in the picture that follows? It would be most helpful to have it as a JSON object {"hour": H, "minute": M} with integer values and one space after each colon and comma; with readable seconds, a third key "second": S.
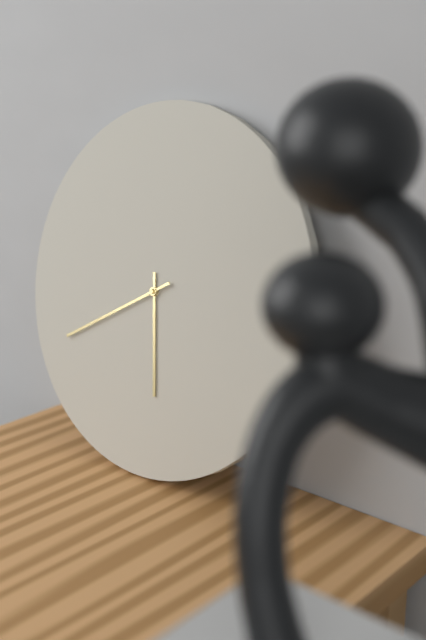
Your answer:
{"hour": 5, "minute": 40}
